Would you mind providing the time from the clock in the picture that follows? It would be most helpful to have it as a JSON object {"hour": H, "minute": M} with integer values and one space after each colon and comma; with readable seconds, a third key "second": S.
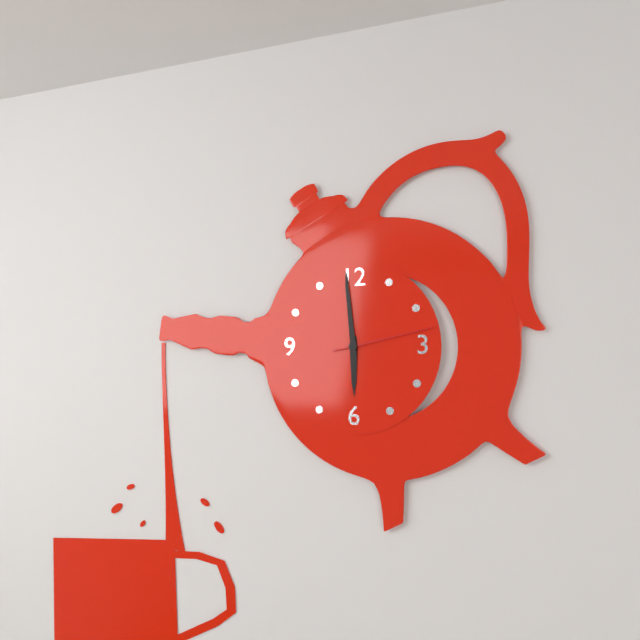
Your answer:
{"hour": 5, "minute": 59, "second": 13}
